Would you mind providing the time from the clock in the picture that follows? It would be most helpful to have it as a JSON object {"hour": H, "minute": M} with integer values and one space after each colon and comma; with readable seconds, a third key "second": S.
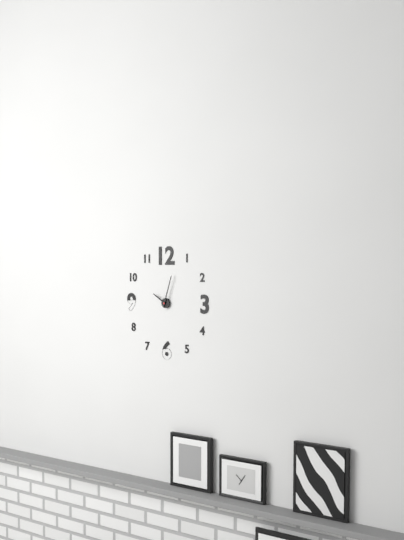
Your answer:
{"hour": 10, "minute": 3}
